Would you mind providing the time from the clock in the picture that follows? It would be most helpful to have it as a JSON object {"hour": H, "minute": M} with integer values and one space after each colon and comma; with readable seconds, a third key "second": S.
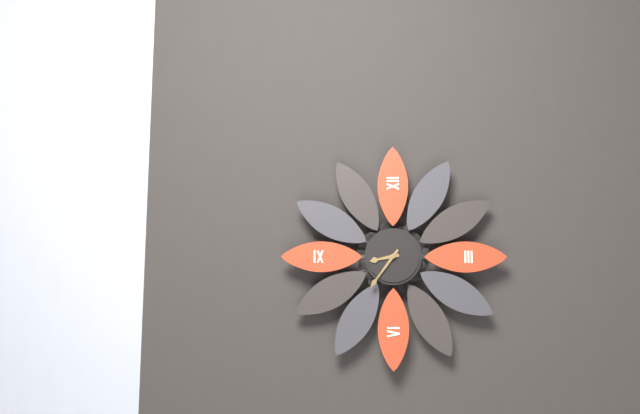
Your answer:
{"hour": 8, "minute": 36}
